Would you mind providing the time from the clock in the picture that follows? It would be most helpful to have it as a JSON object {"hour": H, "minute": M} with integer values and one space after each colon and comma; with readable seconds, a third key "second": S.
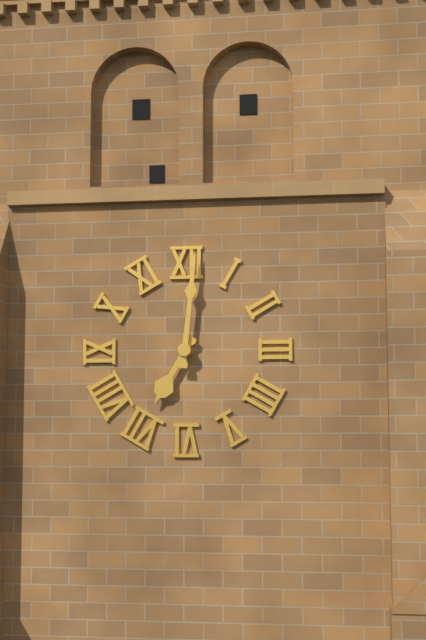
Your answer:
{"hour": 7, "minute": 1}
